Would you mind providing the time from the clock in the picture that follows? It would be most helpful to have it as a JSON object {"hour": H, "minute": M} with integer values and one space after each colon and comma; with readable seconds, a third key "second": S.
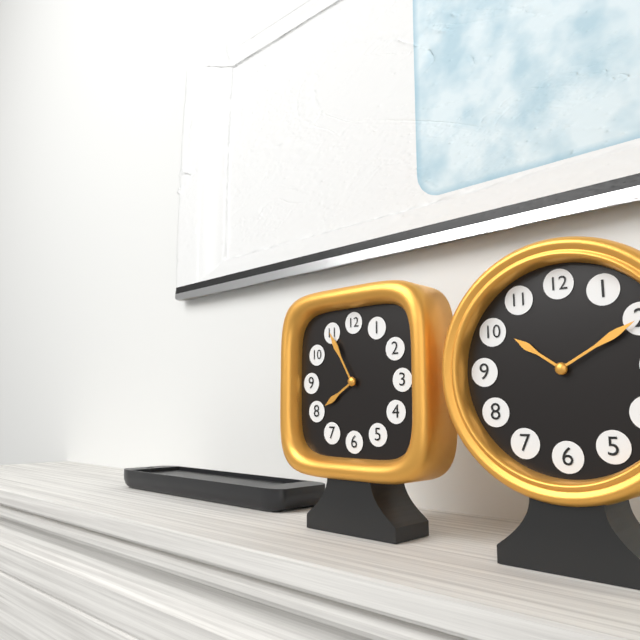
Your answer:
{"hour": 7, "minute": 55}
